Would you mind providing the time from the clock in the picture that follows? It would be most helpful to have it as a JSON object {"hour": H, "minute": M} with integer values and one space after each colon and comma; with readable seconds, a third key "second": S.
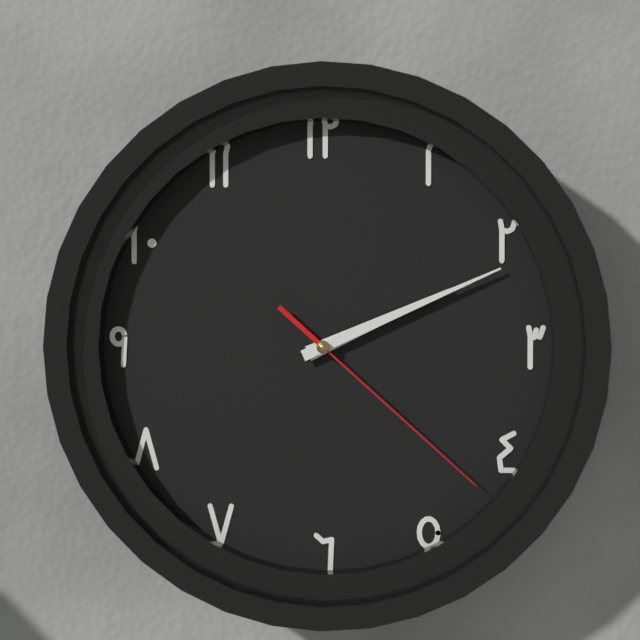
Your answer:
{"hour": 2, "minute": 11, "second": 22}
